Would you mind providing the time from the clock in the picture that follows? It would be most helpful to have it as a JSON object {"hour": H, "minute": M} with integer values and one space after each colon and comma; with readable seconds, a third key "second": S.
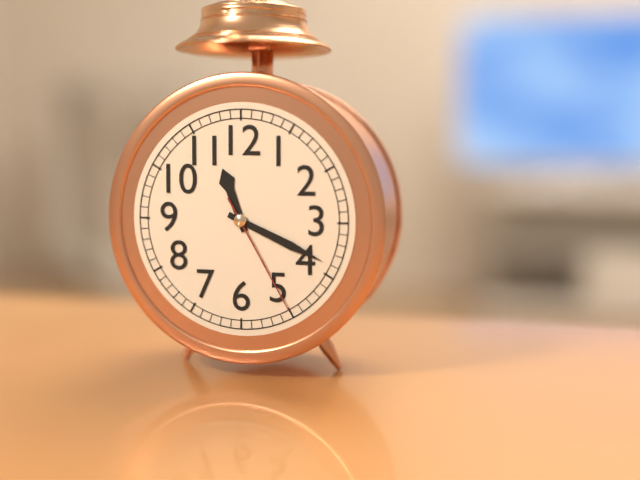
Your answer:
{"hour": 11, "minute": 19, "second": 25}
